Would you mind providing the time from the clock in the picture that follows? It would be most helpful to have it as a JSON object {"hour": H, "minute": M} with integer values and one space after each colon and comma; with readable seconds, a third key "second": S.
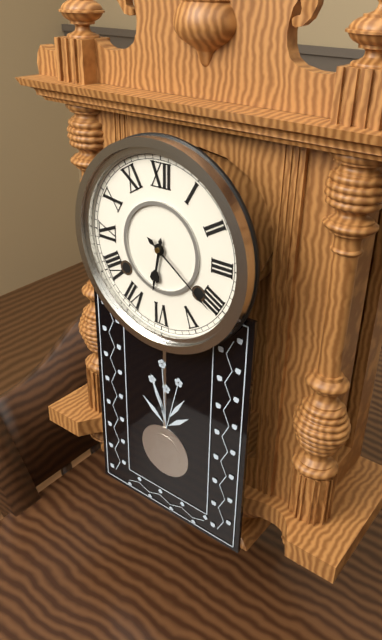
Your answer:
{"hour": 6, "minute": 21}
